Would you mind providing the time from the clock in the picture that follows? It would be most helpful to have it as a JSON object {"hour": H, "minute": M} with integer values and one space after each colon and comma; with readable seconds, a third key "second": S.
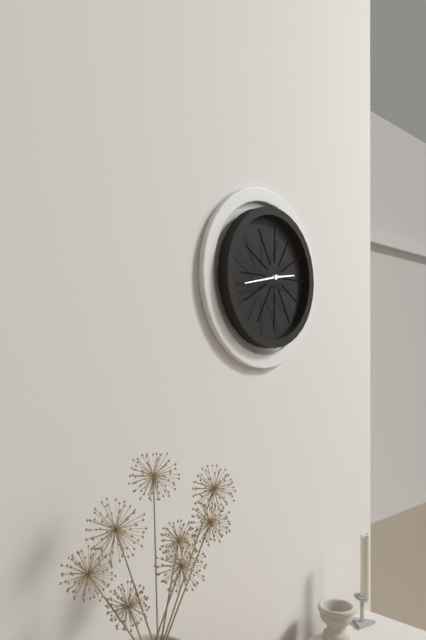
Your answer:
{"hour": 2, "minute": 43}
